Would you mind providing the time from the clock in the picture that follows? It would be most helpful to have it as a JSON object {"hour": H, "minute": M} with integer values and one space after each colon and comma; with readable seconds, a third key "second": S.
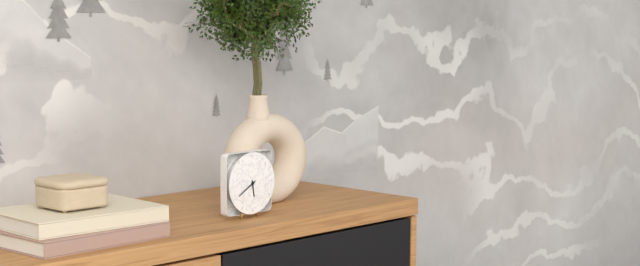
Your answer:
{"hour": 5, "minute": 40}
